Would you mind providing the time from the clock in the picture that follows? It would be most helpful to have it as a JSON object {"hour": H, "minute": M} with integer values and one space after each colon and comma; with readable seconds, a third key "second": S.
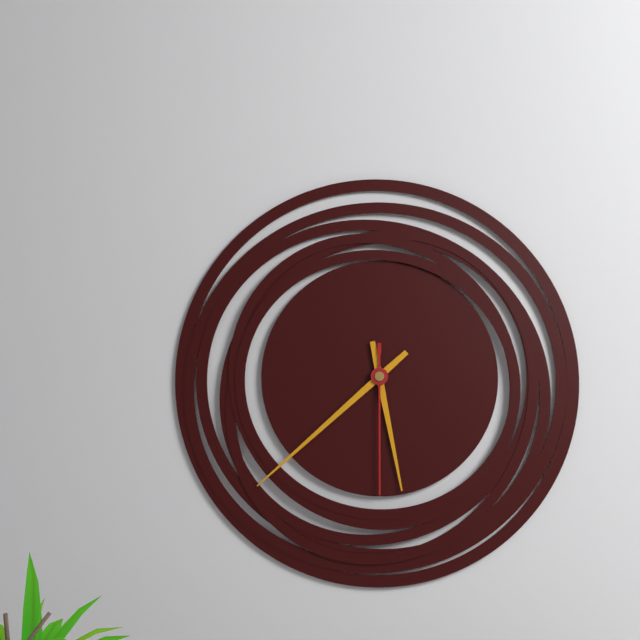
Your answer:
{"hour": 5, "minute": 38, "second": 30}
